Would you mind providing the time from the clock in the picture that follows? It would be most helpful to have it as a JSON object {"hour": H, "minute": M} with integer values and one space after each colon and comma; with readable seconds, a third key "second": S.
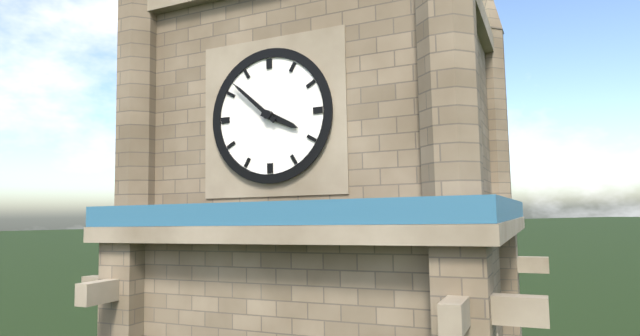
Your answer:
{"hour": 3, "minute": 52}
